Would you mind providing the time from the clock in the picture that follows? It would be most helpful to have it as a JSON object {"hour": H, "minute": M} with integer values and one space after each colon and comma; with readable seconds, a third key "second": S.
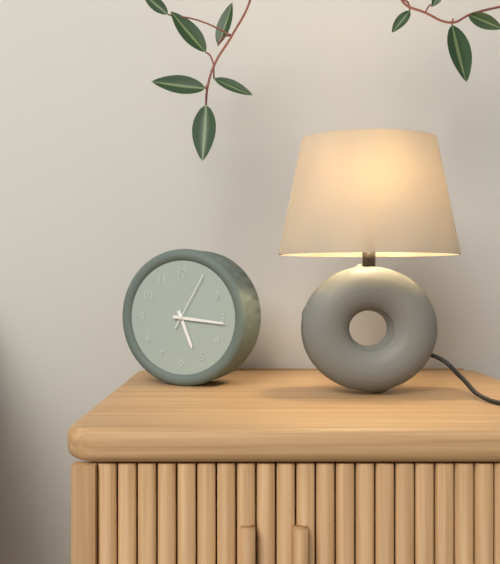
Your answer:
{"hour": 5, "minute": 16, "second": 5}
